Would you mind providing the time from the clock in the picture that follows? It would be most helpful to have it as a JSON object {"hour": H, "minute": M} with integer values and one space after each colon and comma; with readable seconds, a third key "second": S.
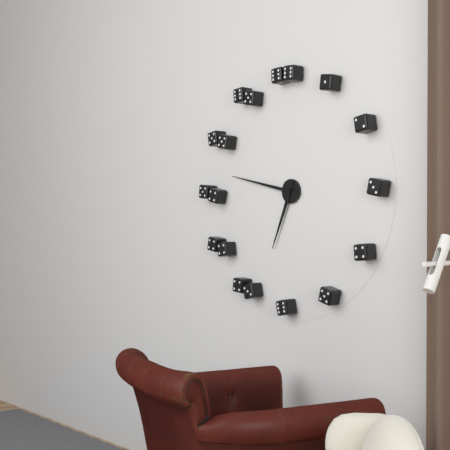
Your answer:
{"hour": 6, "minute": 47}
